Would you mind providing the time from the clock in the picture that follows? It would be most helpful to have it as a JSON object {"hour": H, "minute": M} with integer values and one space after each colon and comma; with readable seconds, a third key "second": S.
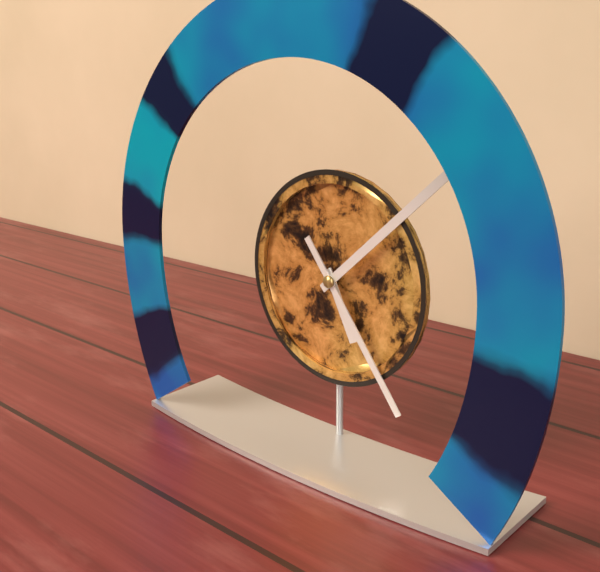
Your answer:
{"hour": 5, "minute": 8, "second": 24}
